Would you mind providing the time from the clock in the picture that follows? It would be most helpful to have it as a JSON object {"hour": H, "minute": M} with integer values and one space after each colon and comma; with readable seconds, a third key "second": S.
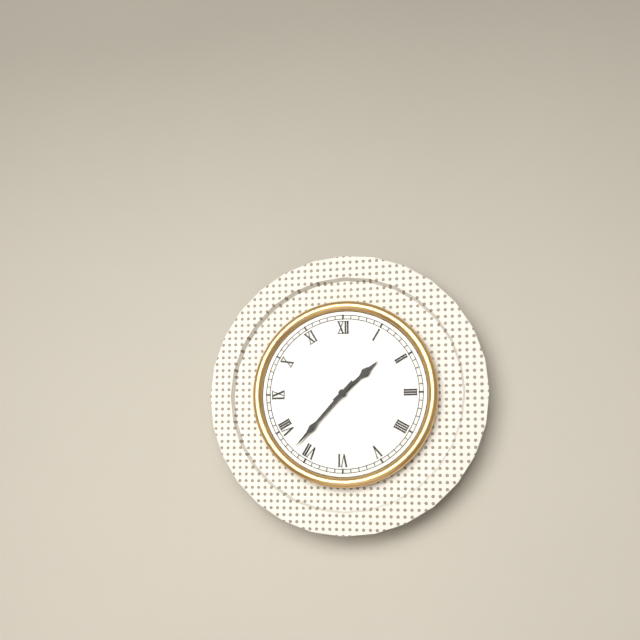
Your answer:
{"hour": 1, "minute": 37}
